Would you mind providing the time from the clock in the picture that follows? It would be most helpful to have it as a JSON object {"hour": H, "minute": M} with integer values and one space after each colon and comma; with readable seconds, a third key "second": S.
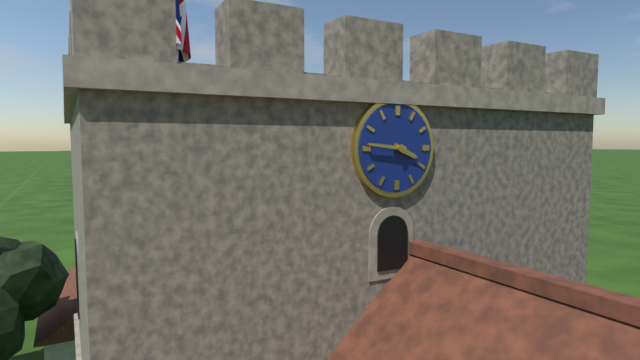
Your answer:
{"hour": 3, "minute": 46}
